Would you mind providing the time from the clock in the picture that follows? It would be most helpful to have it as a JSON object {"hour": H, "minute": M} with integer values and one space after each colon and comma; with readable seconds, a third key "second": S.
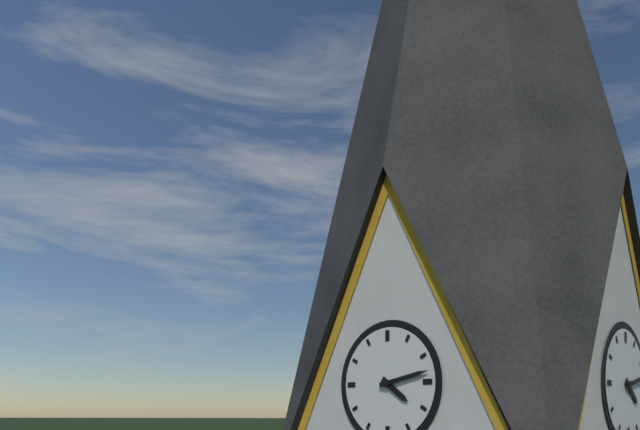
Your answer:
{"hour": 4, "minute": 13}
